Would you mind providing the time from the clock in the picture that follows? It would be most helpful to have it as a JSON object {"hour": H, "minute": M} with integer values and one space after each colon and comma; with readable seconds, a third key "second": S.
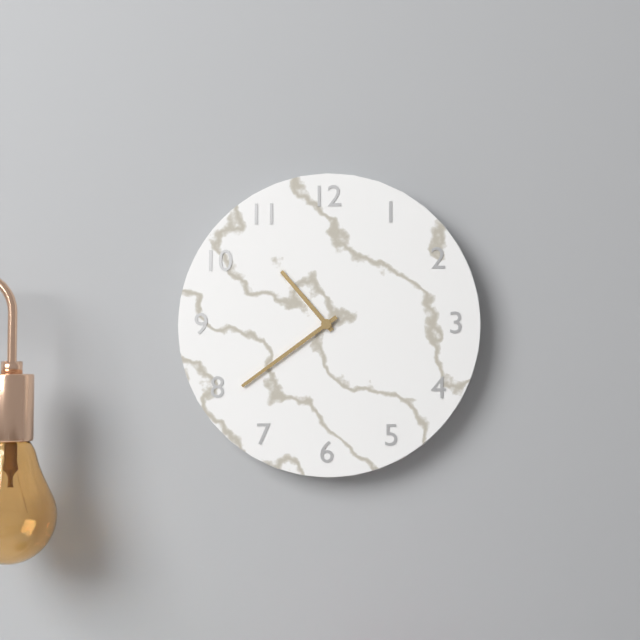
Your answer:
{"hour": 10, "minute": 39}
